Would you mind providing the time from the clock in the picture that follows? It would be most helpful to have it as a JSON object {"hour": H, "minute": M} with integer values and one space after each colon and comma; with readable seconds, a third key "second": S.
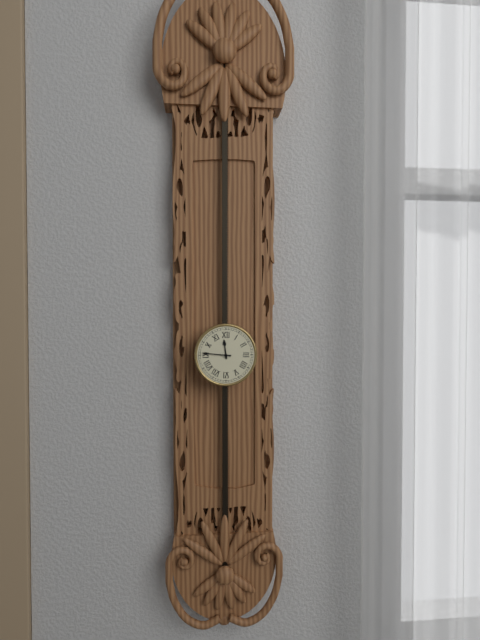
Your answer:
{"hour": 11, "minute": 46}
